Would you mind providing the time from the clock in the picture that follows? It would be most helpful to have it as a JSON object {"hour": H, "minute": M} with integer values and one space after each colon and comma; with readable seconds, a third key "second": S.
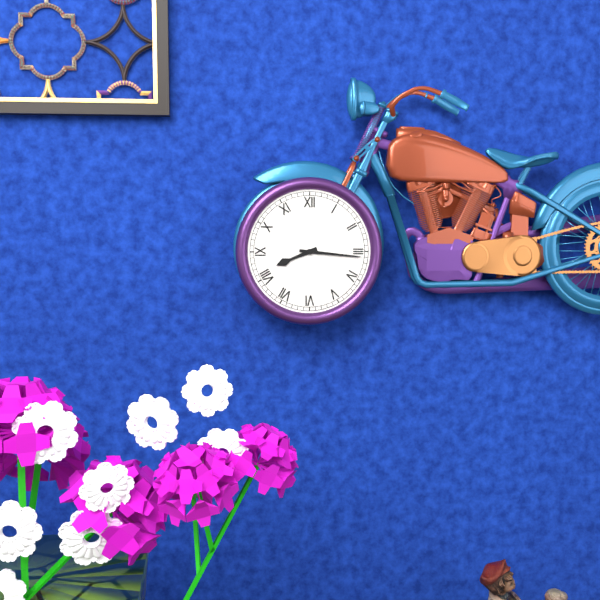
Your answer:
{"hour": 8, "minute": 16}
